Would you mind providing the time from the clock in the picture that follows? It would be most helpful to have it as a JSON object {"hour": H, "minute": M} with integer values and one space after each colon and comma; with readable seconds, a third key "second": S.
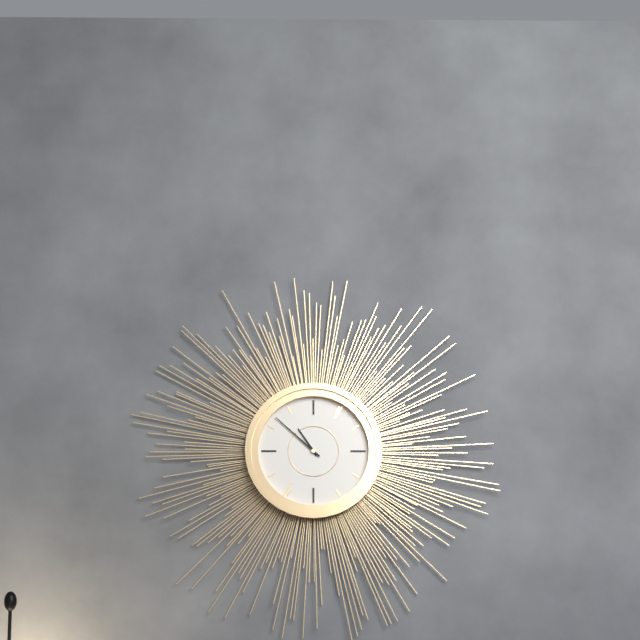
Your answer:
{"hour": 10, "minute": 52}
